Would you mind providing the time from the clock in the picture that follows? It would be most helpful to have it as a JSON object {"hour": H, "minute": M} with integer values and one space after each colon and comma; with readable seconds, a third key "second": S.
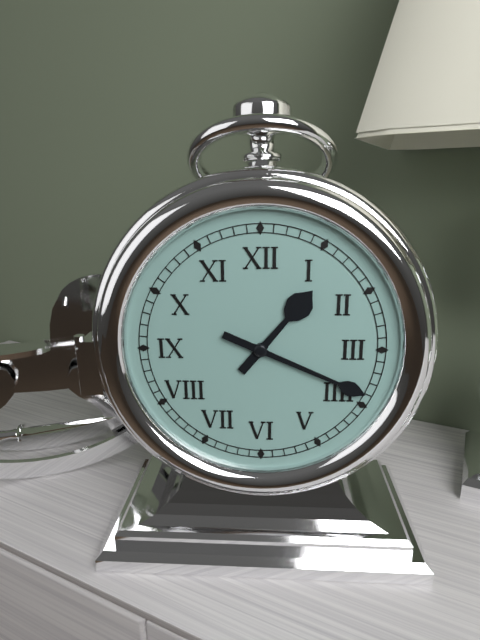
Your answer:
{"hour": 1, "minute": 19}
